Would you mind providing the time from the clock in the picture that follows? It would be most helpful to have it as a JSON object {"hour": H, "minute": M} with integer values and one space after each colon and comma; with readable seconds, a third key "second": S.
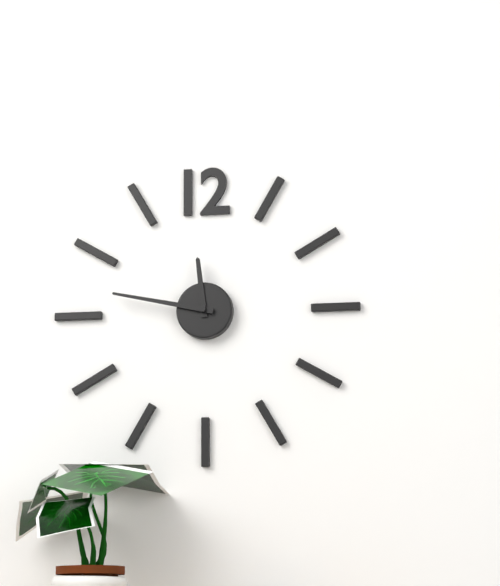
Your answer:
{"hour": 11, "minute": 47}
